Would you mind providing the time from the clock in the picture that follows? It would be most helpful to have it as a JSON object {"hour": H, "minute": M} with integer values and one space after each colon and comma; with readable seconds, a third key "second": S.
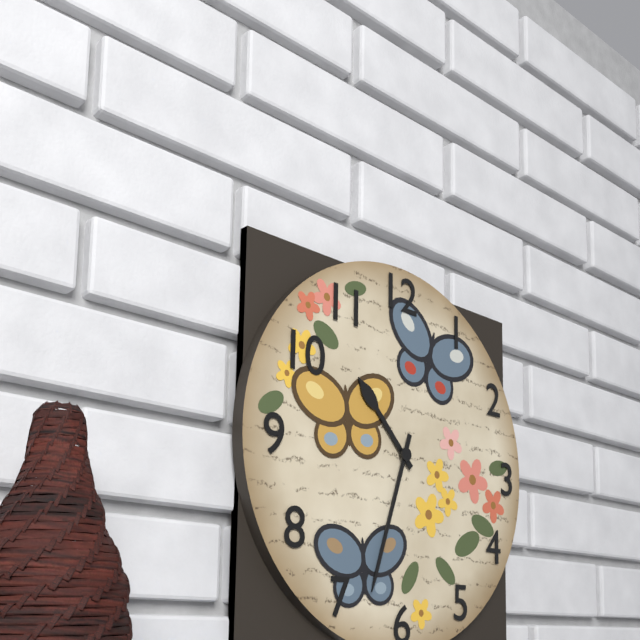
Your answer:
{"hour": 10, "minute": 33}
